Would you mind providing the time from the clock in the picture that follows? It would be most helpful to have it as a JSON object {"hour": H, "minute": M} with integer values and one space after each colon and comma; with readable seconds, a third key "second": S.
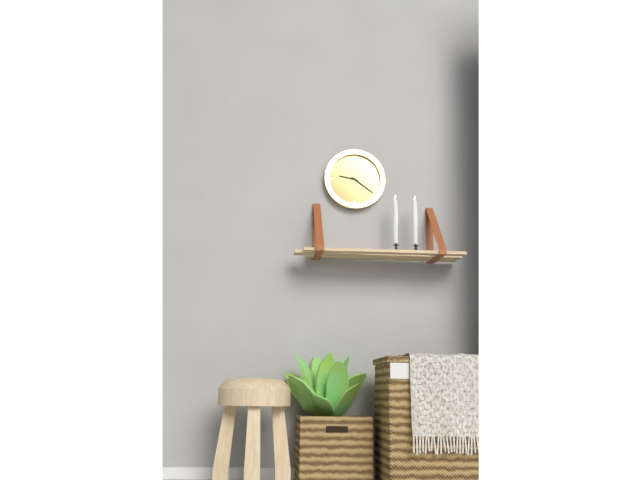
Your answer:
{"hour": 9, "minute": 21}
